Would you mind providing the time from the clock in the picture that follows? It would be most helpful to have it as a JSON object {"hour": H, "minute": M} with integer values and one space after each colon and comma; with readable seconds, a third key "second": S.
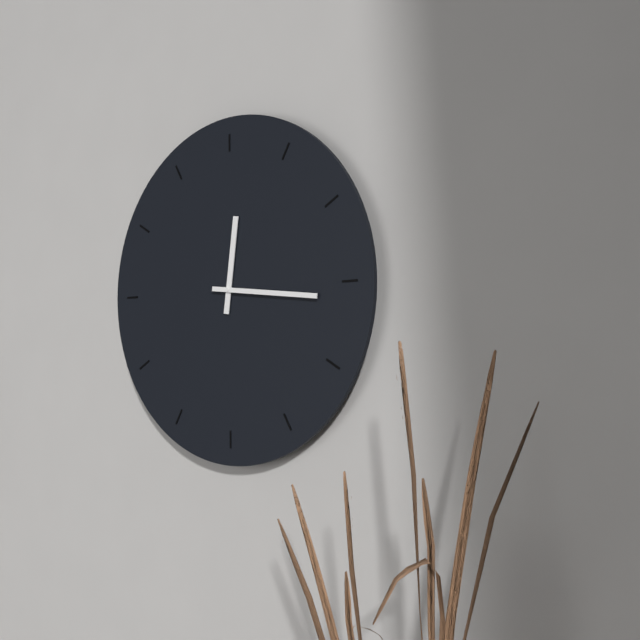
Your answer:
{"hour": 12, "minute": 16}
